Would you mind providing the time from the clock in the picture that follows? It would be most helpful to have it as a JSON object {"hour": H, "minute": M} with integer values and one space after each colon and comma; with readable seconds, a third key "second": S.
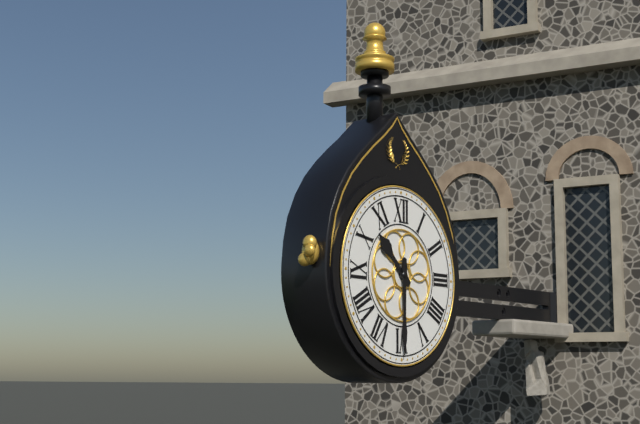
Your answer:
{"hour": 10, "minute": 30}
